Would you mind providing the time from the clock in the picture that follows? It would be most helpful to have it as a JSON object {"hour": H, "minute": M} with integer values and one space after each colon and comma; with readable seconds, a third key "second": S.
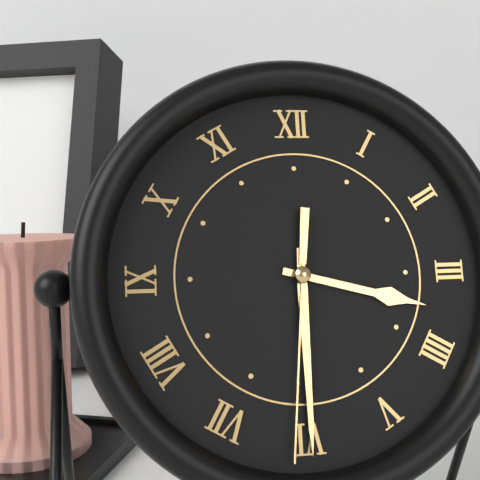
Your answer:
{"hour": 3, "minute": 30, "second": 31}
